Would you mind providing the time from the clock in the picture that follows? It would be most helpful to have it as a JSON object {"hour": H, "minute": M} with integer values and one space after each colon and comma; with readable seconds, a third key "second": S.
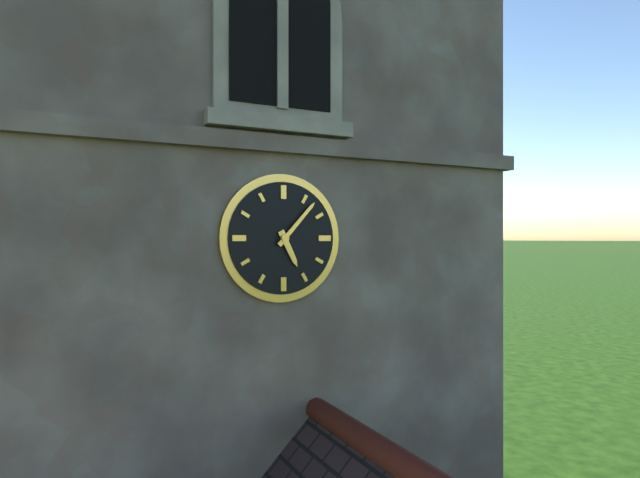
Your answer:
{"hour": 5, "minute": 7}
